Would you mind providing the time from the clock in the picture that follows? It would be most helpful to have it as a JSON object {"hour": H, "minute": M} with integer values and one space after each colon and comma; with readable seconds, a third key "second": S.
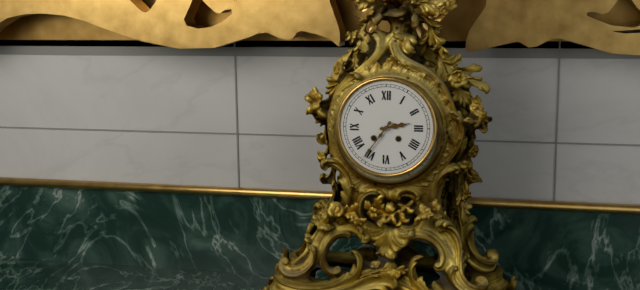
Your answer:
{"hour": 2, "minute": 36}
